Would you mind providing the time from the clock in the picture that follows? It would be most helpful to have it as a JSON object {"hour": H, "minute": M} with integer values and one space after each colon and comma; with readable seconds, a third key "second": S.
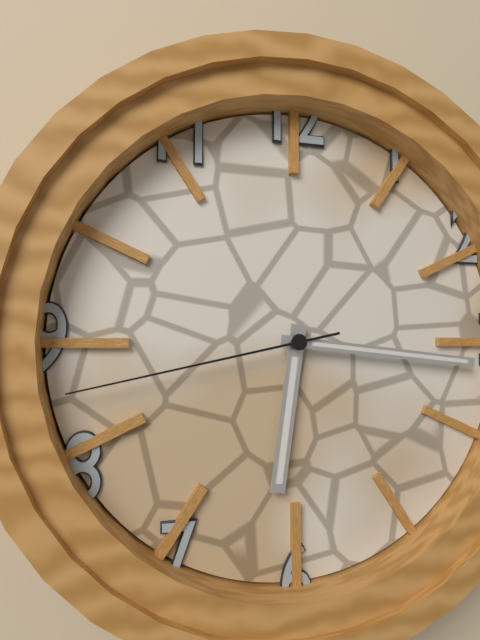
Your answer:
{"hour": 6, "minute": 16, "second": 43}
